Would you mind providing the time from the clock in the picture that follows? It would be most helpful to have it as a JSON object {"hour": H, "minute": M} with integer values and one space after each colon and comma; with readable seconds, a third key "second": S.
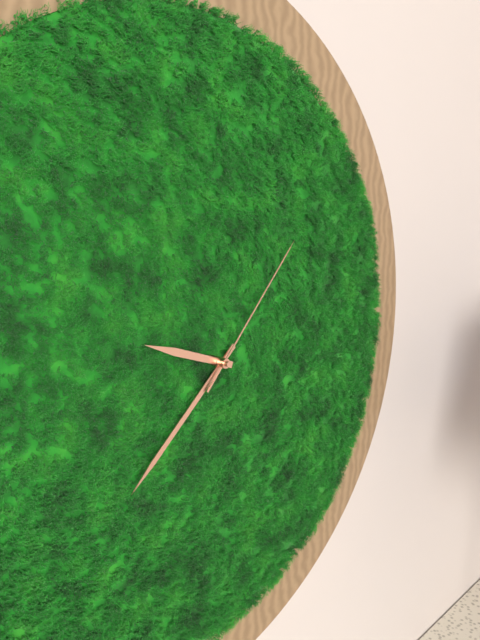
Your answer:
{"hour": 9, "minute": 38, "second": 7}
